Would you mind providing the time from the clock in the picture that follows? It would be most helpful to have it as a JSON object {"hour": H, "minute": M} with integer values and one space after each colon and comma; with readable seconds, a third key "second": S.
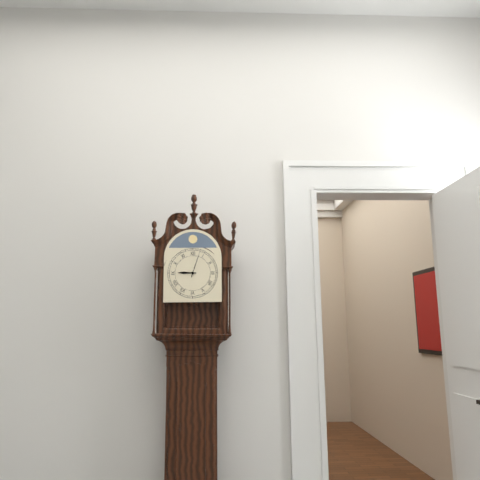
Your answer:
{"hour": 9, "minute": 3}
